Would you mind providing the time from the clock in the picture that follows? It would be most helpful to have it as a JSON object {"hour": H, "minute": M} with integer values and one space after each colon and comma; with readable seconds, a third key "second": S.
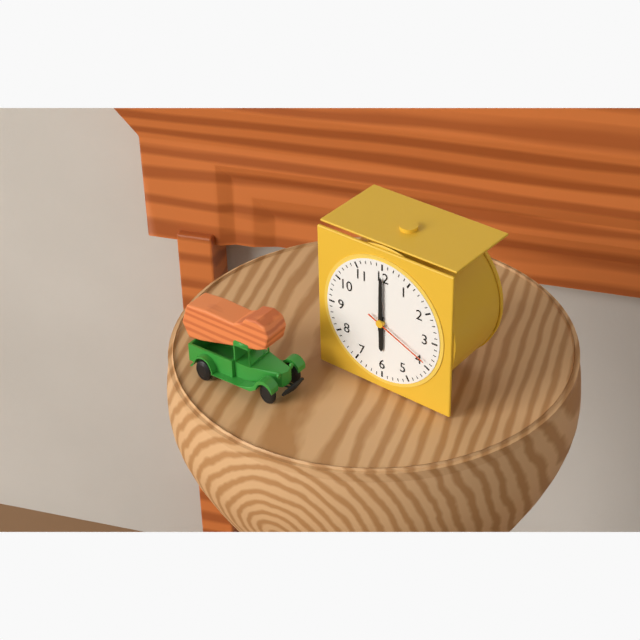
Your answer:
{"hour": 6, "minute": 0, "second": 19}
